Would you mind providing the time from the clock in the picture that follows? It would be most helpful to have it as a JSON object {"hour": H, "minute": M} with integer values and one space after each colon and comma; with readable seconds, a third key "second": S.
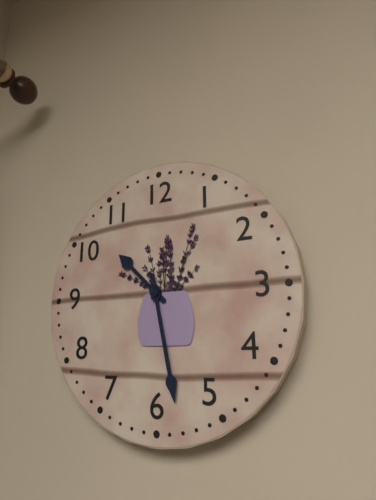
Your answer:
{"hour": 10, "minute": 28}
